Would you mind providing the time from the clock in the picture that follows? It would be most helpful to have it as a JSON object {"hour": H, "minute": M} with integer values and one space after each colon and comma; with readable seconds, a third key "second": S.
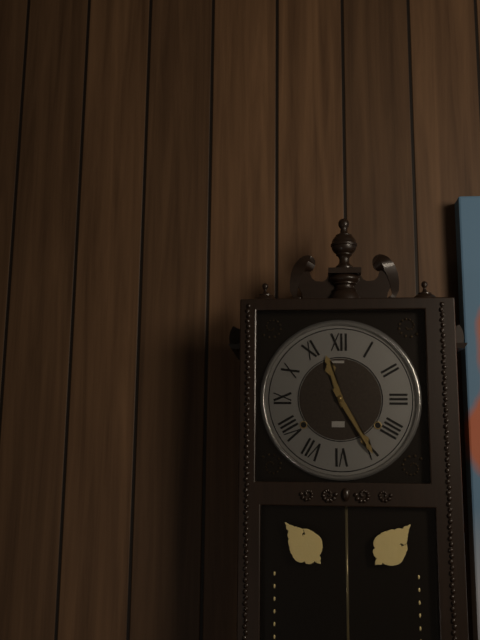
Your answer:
{"hour": 11, "minute": 25}
